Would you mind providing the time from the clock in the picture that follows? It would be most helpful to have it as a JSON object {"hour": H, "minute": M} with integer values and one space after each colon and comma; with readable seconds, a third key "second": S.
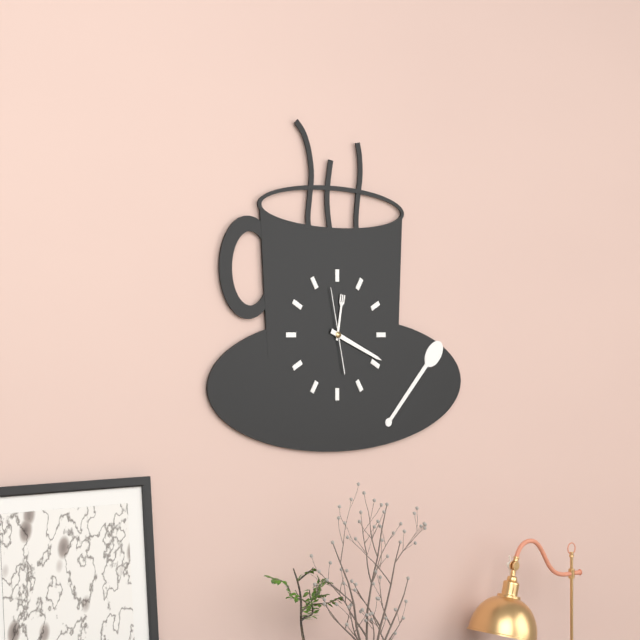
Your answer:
{"hour": 12, "minute": 19, "second": 58}
